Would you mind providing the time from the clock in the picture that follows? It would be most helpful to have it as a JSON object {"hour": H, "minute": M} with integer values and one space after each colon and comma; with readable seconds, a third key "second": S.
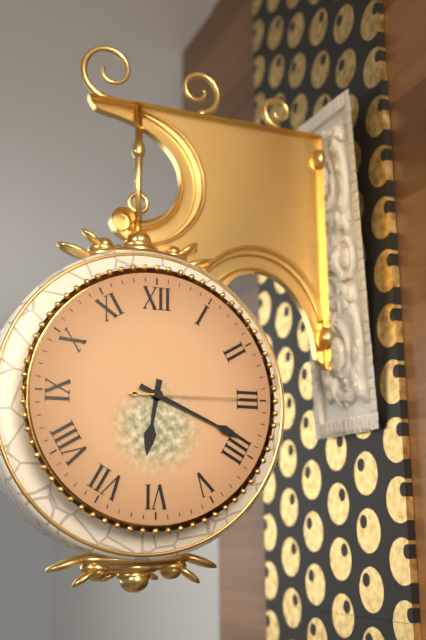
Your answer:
{"hour": 6, "minute": 19, "second": 15}
